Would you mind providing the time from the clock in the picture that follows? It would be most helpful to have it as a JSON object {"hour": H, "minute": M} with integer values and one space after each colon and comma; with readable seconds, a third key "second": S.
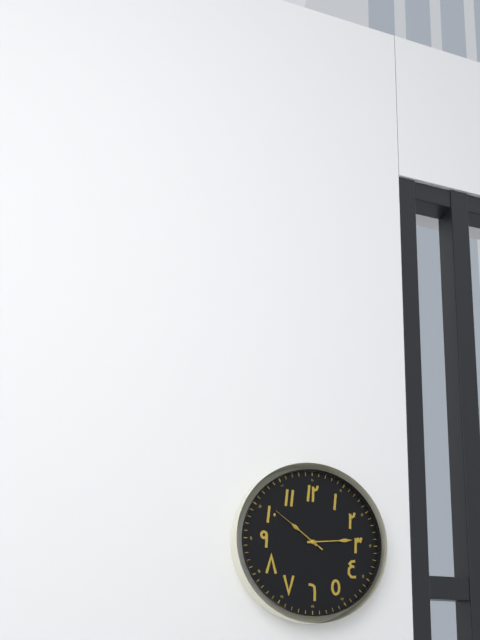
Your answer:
{"hour": 10, "minute": 14, "second": 51}
